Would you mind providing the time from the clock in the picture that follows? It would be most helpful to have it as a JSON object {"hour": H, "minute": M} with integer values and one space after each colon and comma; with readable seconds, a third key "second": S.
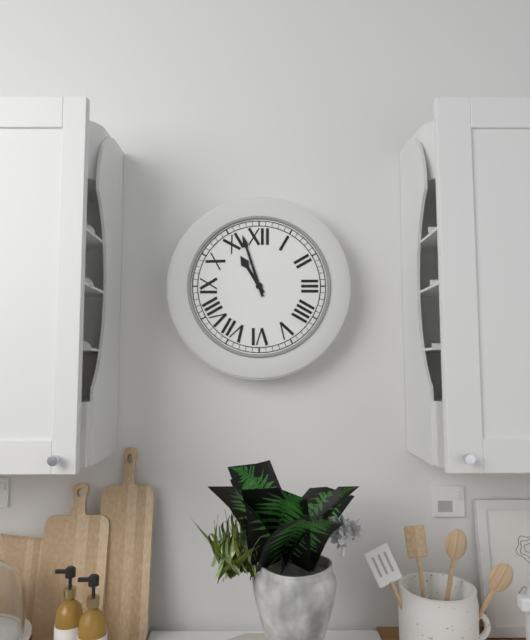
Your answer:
{"hour": 10, "minute": 57}
